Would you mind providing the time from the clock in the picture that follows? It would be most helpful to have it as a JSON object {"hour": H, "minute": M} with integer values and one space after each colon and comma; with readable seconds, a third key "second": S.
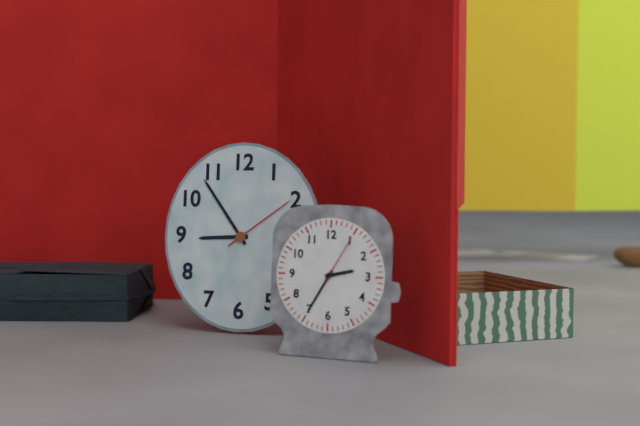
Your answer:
{"hour": 8, "minute": 54, "second": 9}
